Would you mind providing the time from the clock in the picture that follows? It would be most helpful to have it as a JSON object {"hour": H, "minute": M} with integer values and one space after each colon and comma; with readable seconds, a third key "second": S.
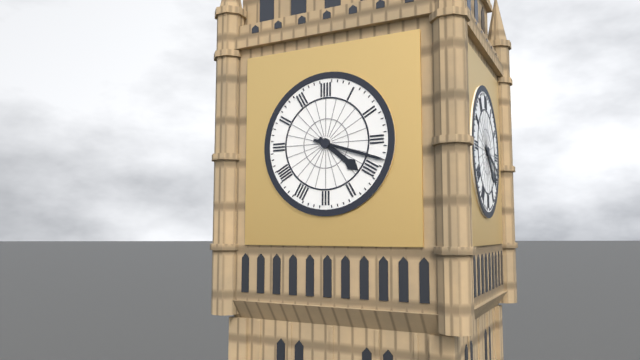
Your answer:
{"hour": 4, "minute": 18}
